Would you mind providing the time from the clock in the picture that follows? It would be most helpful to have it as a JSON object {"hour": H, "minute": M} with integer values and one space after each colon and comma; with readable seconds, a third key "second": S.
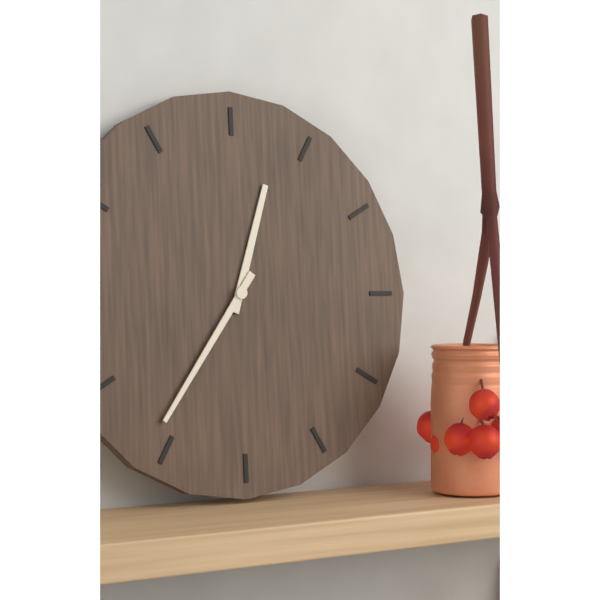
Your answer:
{"hour": 12, "minute": 36}
